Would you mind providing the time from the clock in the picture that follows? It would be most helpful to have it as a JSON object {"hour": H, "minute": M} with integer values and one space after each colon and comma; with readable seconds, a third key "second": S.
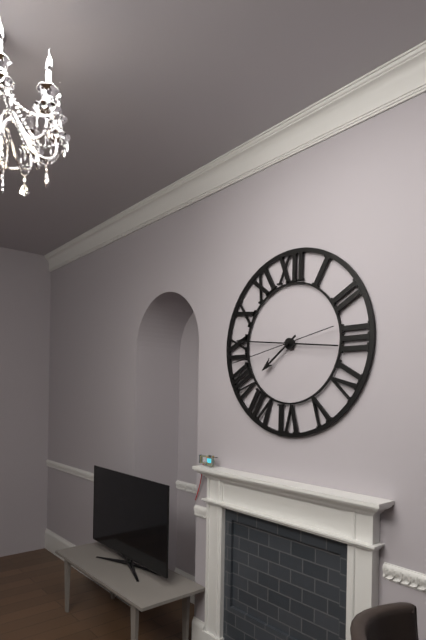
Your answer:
{"hour": 7, "minute": 46, "second": 43}
